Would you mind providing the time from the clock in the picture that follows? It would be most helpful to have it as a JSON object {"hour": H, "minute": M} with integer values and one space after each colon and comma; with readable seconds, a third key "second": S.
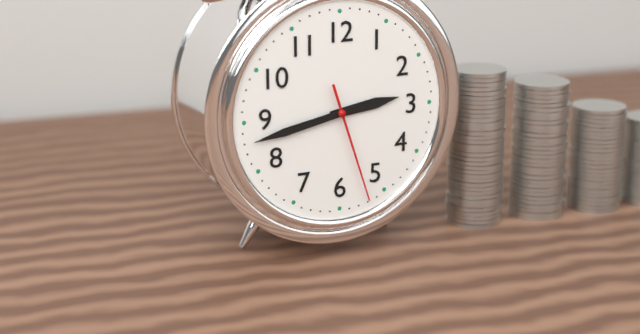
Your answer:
{"hour": 2, "minute": 43, "second": 27}
